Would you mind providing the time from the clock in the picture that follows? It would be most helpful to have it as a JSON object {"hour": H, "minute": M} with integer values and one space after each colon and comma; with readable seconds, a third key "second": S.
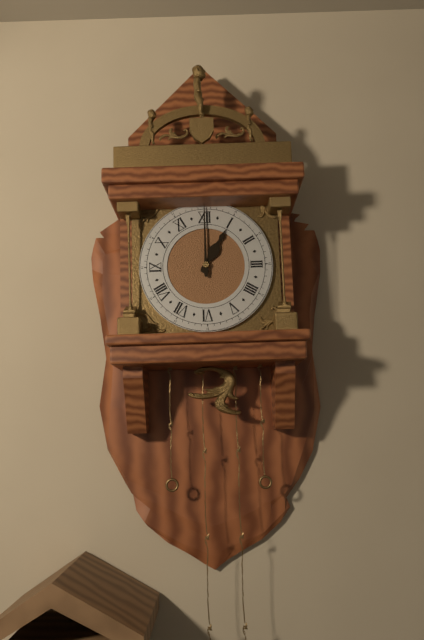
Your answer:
{"hour": 1, "minute": 0}
